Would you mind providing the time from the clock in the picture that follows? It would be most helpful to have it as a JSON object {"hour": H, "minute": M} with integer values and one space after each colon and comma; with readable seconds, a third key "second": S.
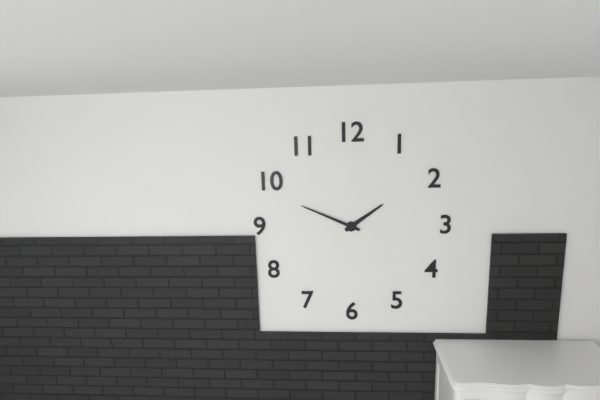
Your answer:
{"hour": 1, "minute": 49}
